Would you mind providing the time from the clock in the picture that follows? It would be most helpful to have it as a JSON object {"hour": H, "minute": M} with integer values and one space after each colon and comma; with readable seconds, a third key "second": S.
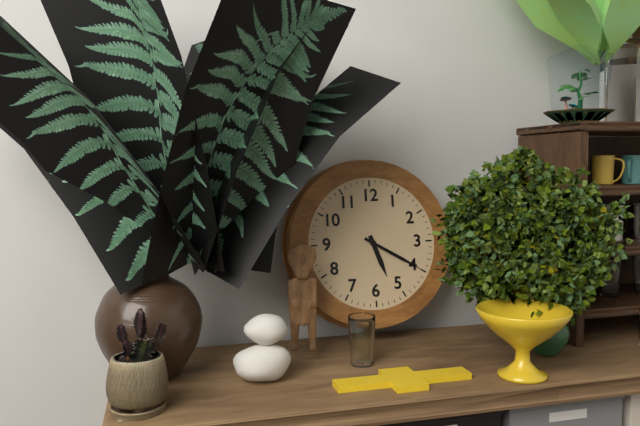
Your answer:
{"hour": 5, "minute": 20}
